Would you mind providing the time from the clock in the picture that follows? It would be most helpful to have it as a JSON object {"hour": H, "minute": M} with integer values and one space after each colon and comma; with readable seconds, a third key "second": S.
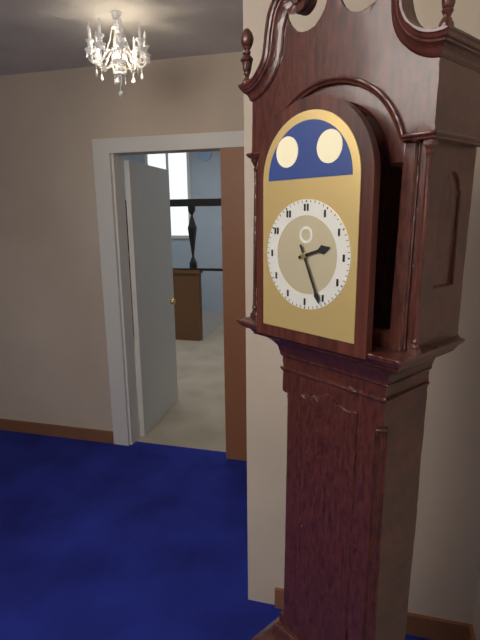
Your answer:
{"hour": 2, "minute": 26}
